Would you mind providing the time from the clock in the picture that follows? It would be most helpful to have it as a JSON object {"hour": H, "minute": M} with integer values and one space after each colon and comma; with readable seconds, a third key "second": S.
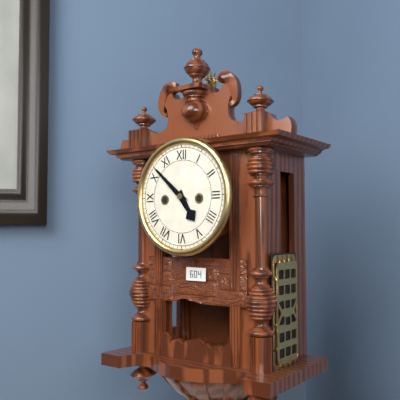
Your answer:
{"hour": 4, "minute": 52}
